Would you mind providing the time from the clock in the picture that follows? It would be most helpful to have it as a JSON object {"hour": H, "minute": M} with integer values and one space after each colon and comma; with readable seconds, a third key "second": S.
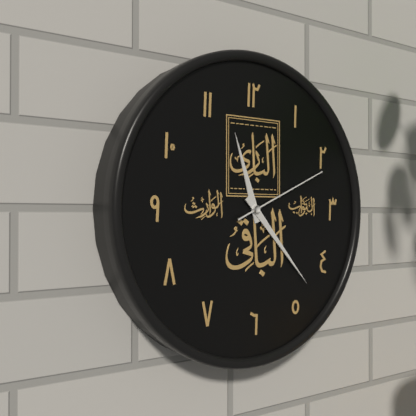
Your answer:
{"hour": 11, "minute": 23, "second": 11}
